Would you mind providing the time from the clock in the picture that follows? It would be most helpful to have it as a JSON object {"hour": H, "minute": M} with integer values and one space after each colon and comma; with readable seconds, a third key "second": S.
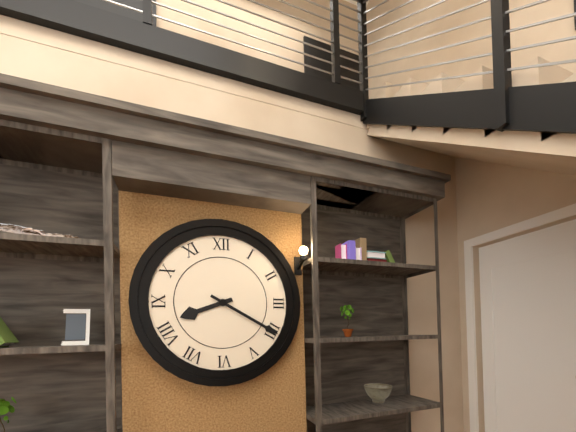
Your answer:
{"hour": 8, "minute": 20}
